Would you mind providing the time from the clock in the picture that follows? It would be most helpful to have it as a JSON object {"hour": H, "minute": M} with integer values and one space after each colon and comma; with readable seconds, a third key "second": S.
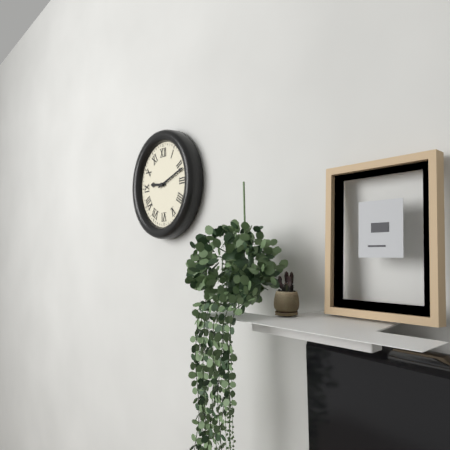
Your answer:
{"hour": 9, "minute": 12}
